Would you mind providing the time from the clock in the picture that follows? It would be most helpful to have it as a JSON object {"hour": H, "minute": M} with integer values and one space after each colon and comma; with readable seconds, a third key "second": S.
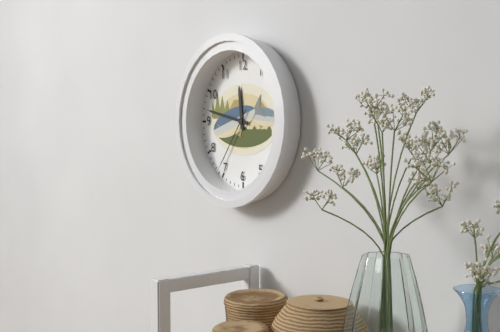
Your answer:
{"hour": 11, "minute": 47, "second": 36}
